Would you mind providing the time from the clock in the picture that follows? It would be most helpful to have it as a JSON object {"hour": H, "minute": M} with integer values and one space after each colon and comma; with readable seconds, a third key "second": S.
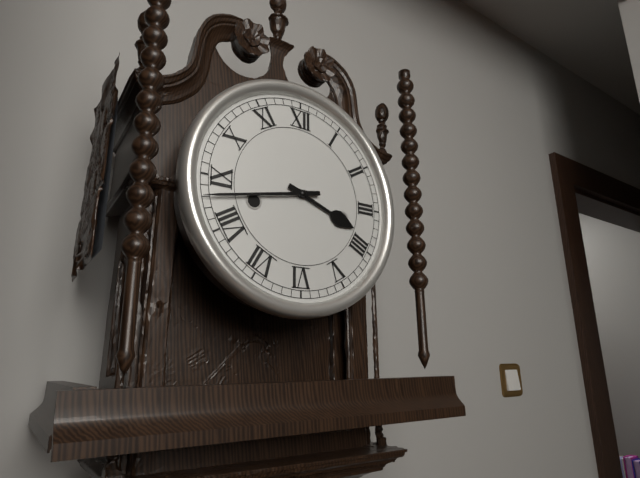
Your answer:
{"hour": 3, "minute": 43}
